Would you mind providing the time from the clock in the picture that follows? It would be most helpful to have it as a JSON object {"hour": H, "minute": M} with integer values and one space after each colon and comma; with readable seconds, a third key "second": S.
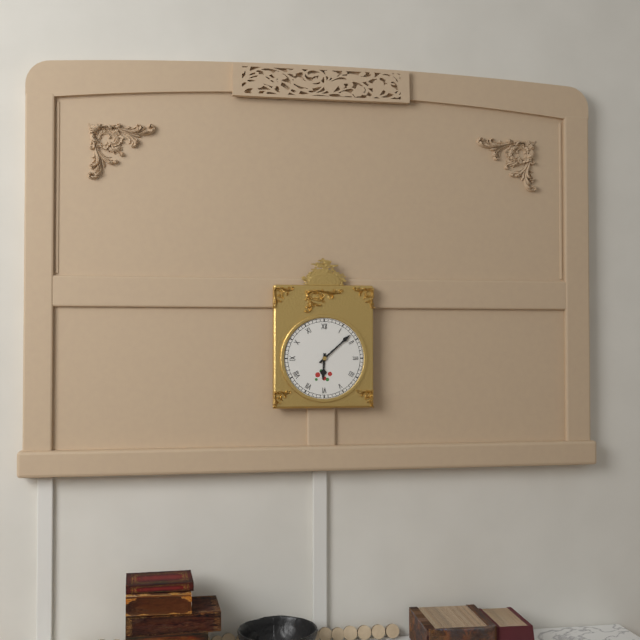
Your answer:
{"hour": 6, "minute": 8}
